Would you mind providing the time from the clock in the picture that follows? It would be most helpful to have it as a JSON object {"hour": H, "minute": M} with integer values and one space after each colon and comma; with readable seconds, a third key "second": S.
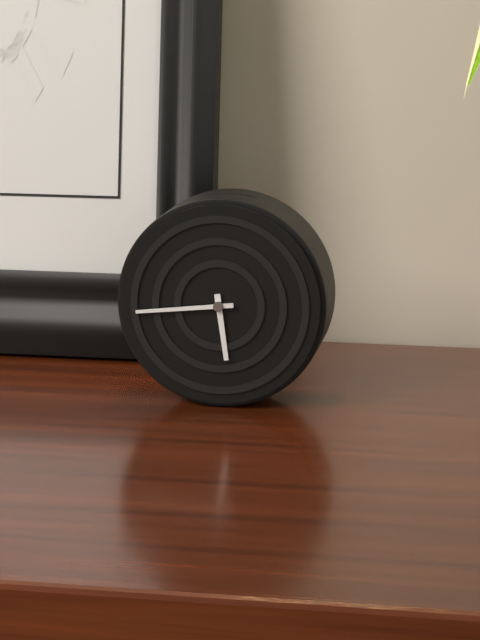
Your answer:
{"hour": 5, "minute": 44}
